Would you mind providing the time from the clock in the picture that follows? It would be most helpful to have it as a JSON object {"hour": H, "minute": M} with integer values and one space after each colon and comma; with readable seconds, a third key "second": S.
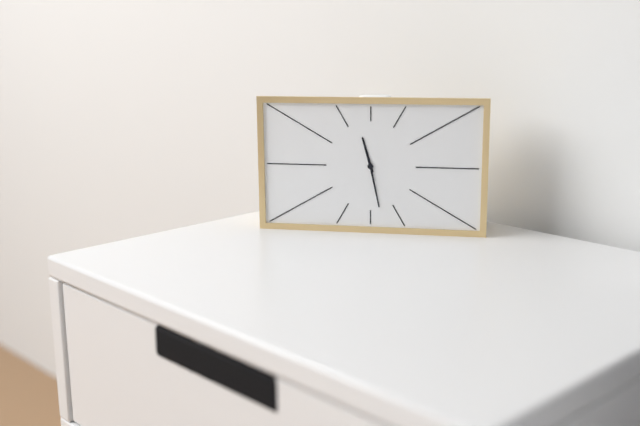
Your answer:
{"hour": 11, "minute": 28}
